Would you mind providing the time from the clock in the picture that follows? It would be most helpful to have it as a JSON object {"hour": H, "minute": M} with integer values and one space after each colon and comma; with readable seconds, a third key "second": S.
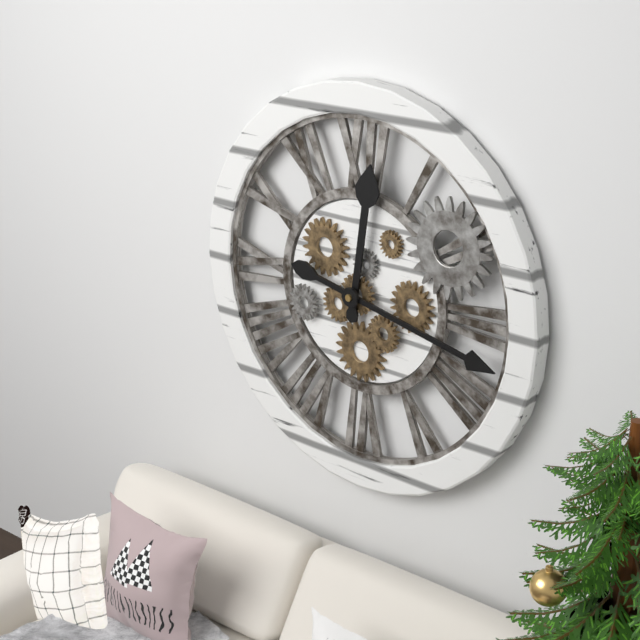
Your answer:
{"hour": 12, "minute": 17}
